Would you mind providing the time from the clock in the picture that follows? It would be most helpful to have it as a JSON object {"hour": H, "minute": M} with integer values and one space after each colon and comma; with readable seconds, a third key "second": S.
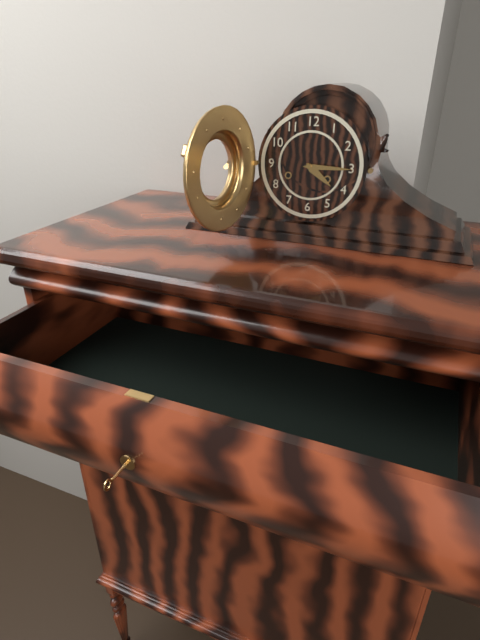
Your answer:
{"hour": 4, "minute": 15}
